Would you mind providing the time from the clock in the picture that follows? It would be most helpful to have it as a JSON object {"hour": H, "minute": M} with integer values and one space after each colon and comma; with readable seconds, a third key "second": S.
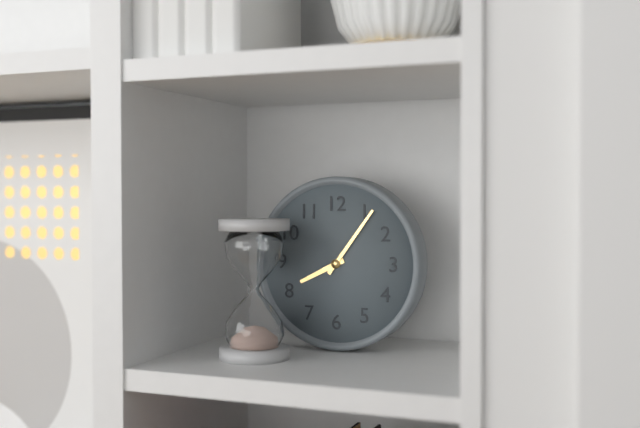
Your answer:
{"hour": 8, "minute": 6}
